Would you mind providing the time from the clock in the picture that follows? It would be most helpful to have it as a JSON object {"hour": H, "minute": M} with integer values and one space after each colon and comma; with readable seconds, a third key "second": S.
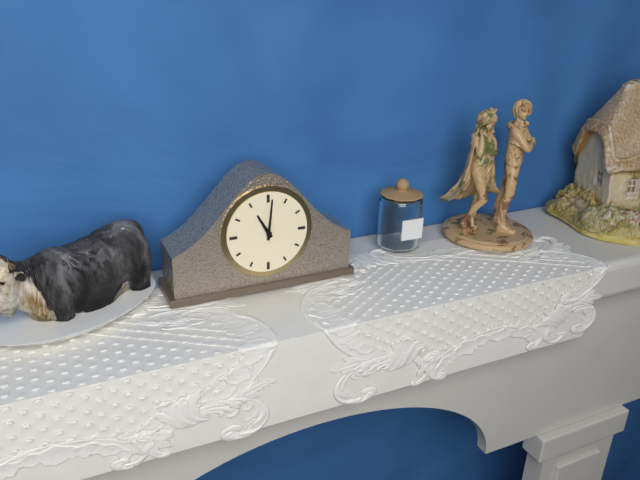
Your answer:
{"hour": 11, "minute": 1}
